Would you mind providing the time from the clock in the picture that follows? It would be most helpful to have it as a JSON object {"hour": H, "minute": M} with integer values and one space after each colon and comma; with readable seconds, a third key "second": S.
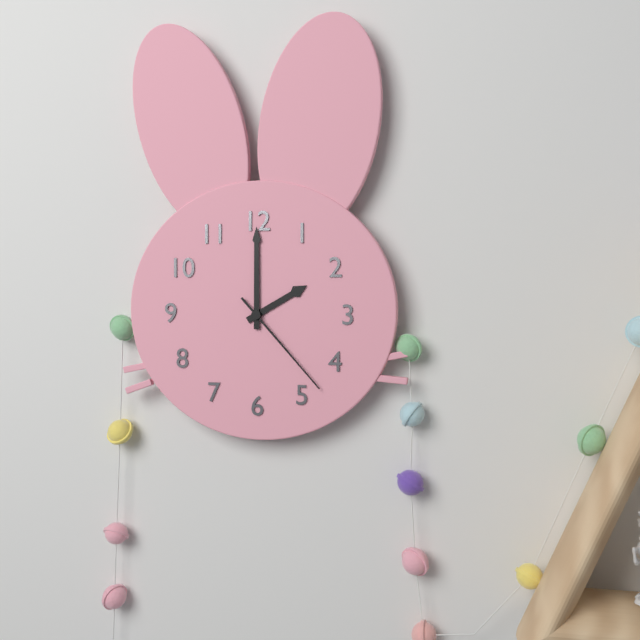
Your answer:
{"hour": 2, "minute": 0, "second": 23}
